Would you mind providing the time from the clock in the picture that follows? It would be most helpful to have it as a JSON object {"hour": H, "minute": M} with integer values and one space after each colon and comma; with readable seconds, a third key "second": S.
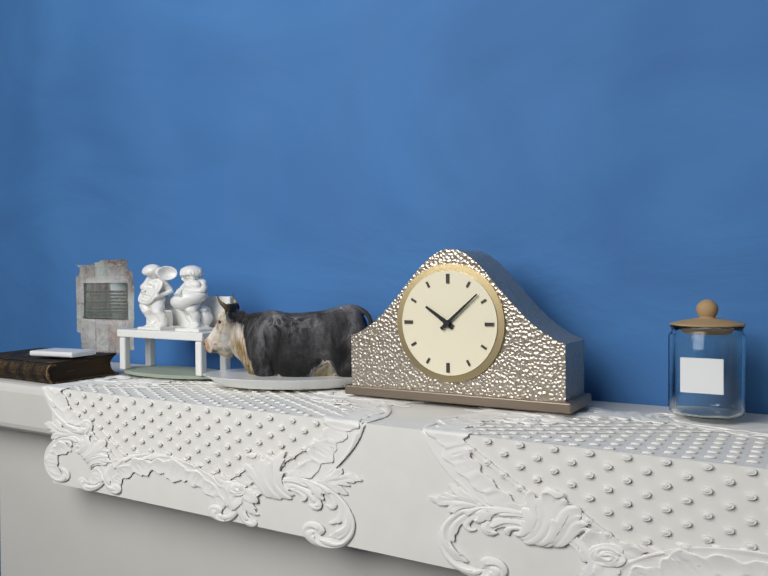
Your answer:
{"hour": 10, "minute": 8}
